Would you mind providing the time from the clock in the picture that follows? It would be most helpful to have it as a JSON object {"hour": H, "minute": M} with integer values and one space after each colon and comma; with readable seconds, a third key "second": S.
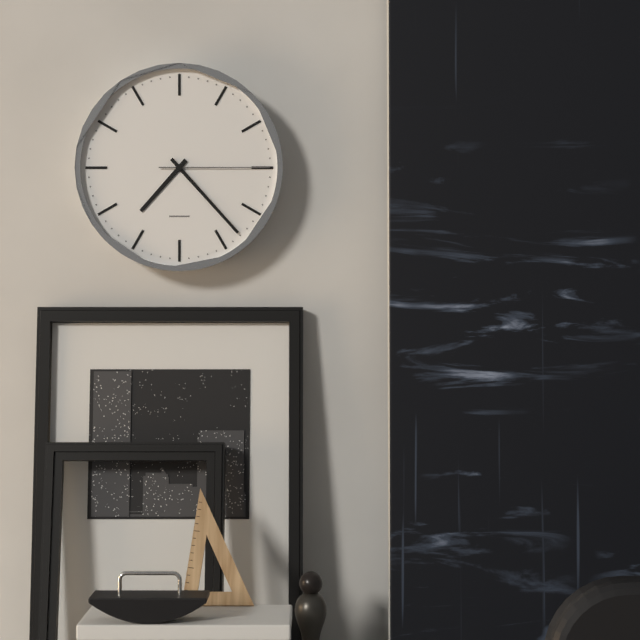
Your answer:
{"hour": 7, "minute": 23, "second": 15}
